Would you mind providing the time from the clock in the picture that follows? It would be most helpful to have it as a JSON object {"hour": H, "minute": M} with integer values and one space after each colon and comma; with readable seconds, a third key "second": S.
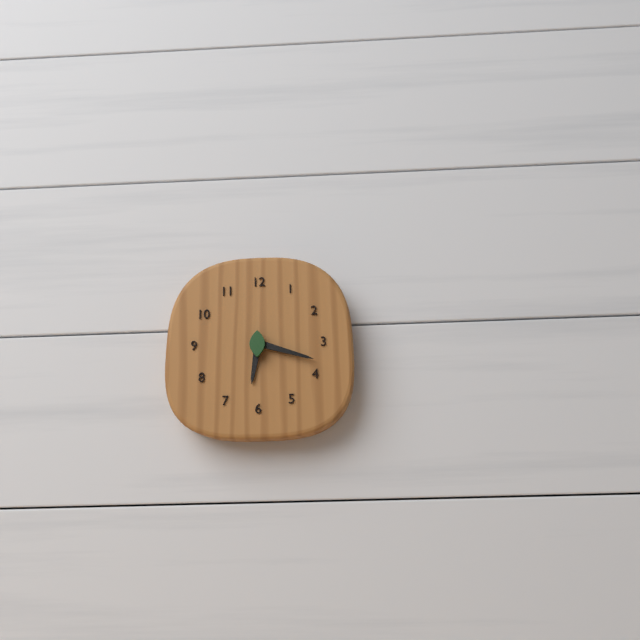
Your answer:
{"hour": 6, "minute": 18}
